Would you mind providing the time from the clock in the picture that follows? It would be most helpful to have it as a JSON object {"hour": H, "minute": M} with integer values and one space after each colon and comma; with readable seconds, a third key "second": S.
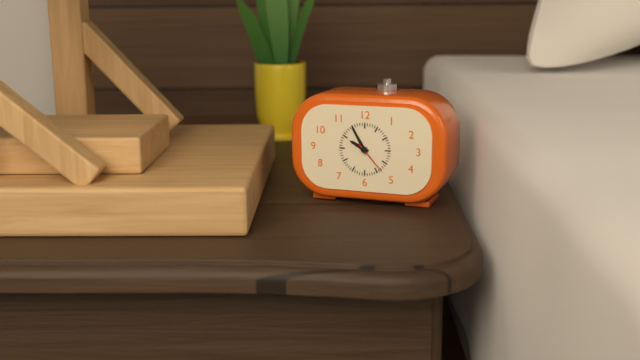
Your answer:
{"hour": 9, "minute": 55}
